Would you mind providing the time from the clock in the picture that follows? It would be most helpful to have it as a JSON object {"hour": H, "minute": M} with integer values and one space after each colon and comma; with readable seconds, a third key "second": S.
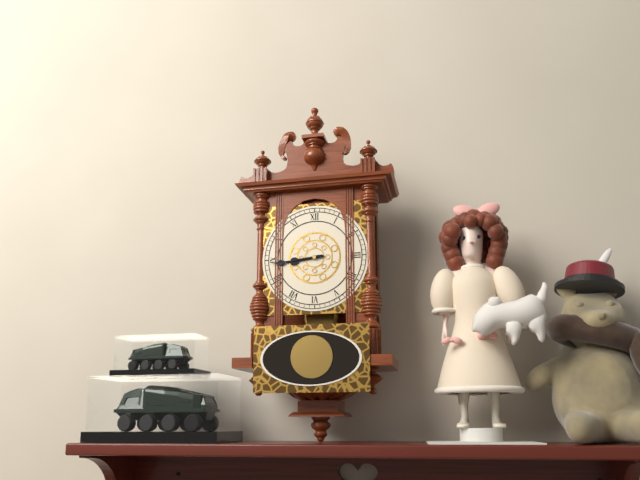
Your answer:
{"hour": 8, "minute": 44}
